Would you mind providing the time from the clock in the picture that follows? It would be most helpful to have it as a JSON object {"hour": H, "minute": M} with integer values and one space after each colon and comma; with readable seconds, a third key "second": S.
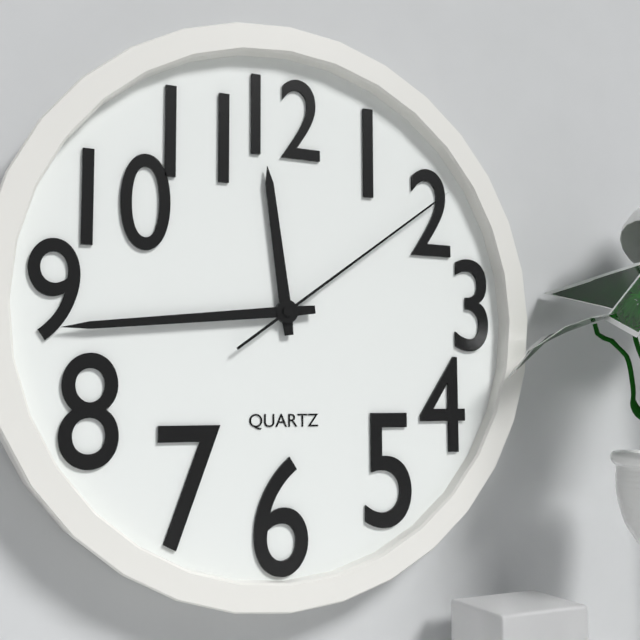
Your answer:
{"hour": 11, "minute": 44, "second": 9}
